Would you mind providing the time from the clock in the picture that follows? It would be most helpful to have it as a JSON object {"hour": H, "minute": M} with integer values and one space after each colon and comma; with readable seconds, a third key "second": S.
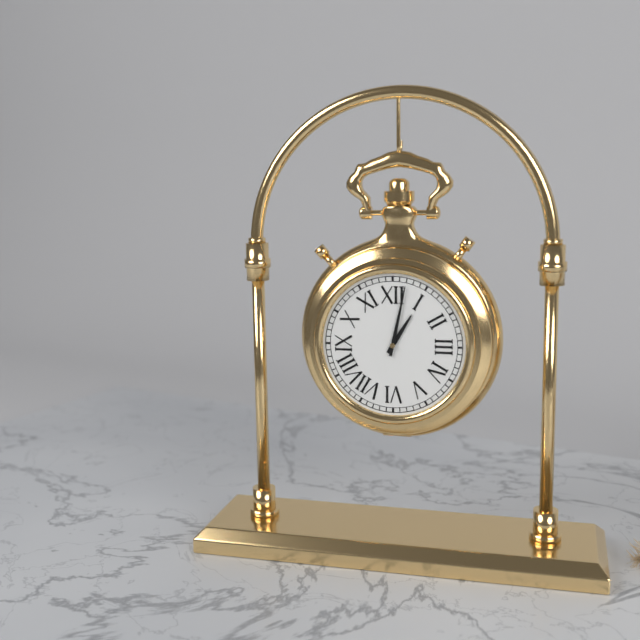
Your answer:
{"hour": 1, "minute": 2}
